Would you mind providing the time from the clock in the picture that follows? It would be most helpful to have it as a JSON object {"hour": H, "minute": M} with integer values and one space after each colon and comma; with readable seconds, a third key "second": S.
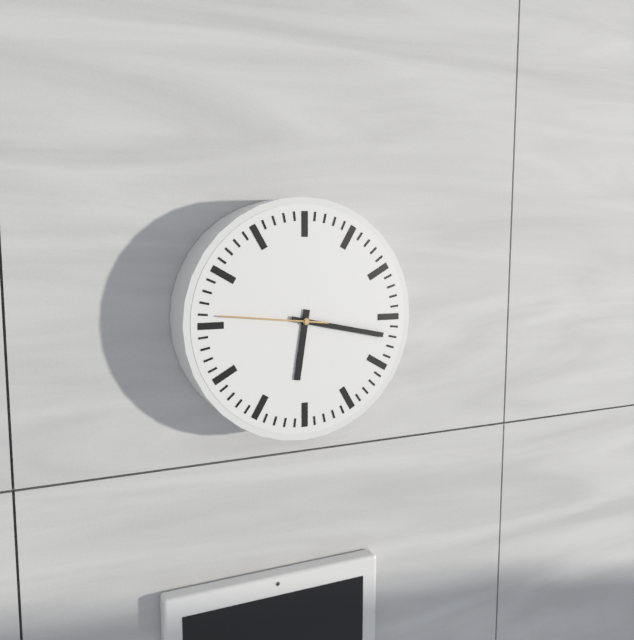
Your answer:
{"hour": 6, "minute": 17, "second": 46}
